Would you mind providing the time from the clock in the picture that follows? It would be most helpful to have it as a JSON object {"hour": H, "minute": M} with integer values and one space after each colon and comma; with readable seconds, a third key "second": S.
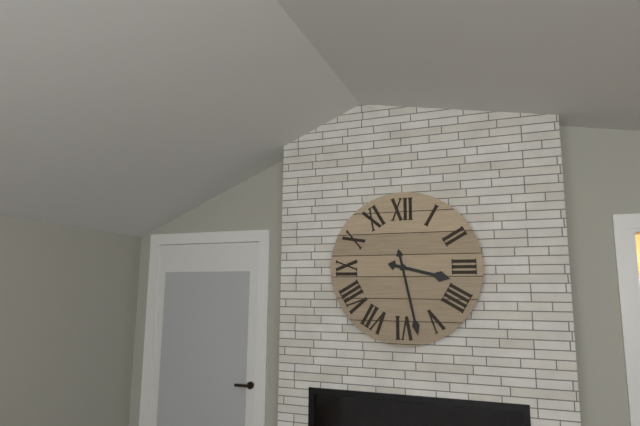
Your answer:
{"hour": 3, "minute": 28}
